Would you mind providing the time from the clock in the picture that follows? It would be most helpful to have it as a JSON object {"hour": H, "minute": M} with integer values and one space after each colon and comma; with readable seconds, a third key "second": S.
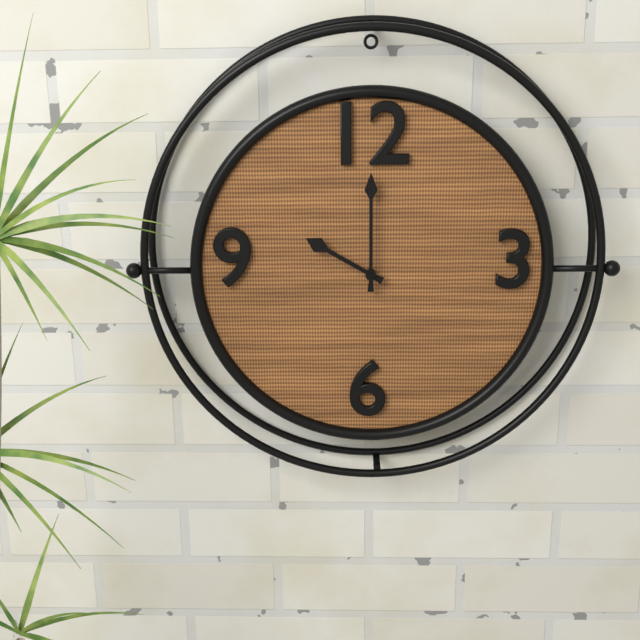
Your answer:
{"hour": 10, "minute": 0}
